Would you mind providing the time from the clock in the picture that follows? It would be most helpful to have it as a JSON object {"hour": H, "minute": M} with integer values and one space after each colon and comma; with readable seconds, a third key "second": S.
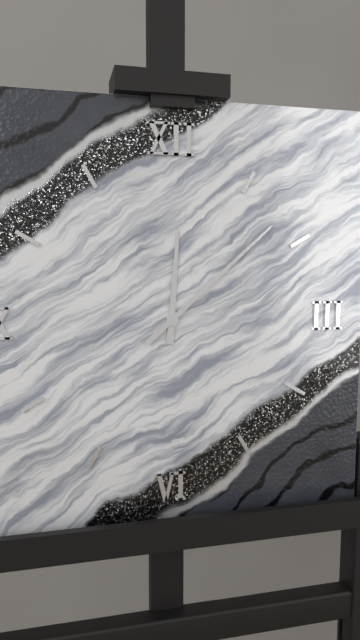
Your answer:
{"hour": 12, "minute": 8}
